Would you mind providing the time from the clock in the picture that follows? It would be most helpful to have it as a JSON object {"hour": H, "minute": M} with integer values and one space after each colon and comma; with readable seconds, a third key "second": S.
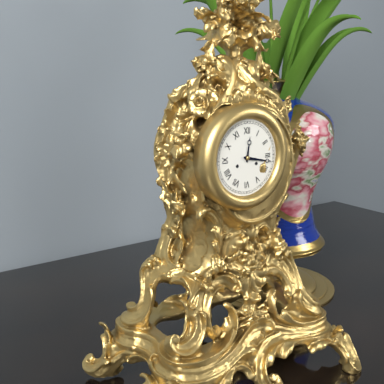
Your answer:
{"hour": 12, "minute": 17}
